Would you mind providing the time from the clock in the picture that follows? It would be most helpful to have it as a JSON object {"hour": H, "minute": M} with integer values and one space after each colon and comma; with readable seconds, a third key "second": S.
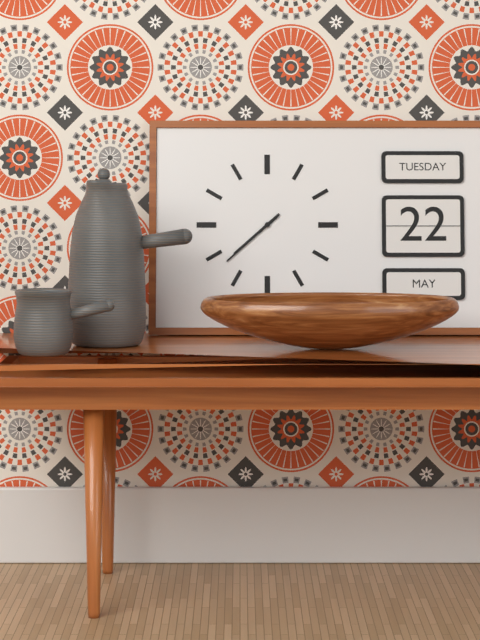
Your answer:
{"hour": 7, "minute": 38}
